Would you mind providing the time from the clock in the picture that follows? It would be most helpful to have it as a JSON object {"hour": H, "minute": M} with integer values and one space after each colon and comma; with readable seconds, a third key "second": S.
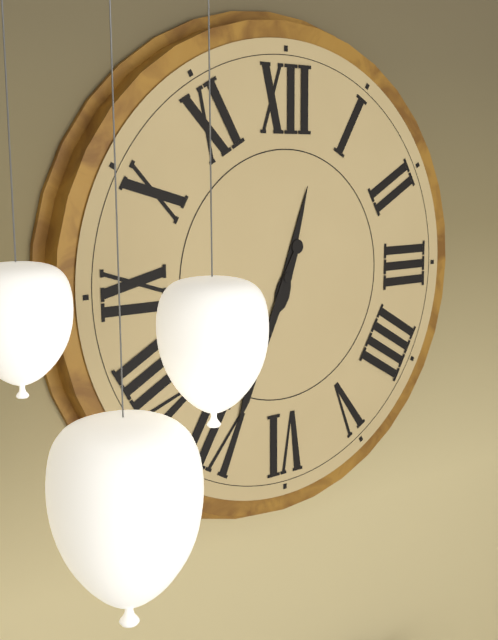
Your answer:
{"hour": 12, "minute": 34}
